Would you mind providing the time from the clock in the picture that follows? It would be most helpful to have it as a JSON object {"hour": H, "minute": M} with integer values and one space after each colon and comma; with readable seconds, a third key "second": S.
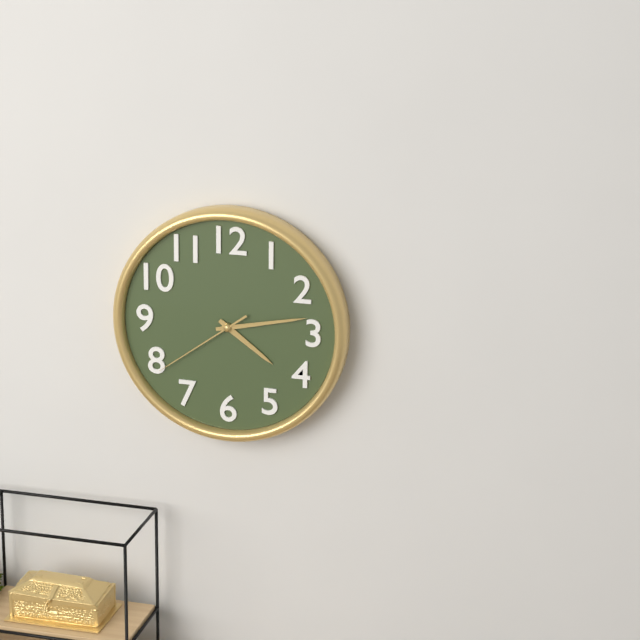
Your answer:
{"hour": 4, "minute": 13, "second": 39}
